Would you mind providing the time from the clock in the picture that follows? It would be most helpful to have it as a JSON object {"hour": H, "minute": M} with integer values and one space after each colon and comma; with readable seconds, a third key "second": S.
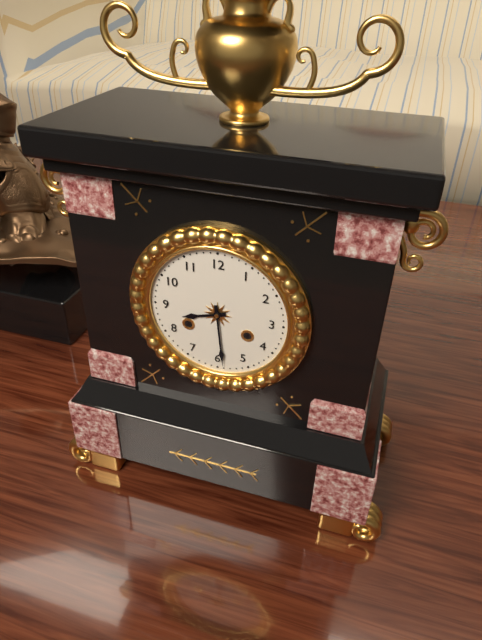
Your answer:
{"hour": 8, "minute": 29}
